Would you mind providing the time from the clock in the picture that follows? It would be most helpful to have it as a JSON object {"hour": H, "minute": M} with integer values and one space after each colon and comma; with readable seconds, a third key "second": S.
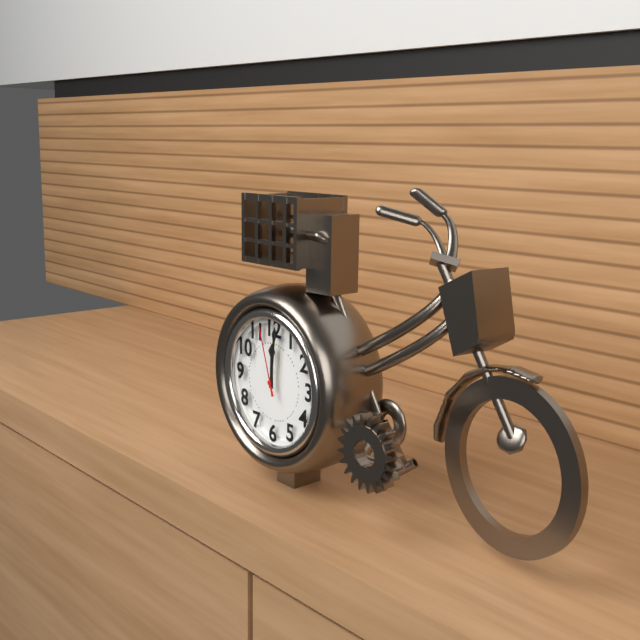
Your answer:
{"hour": 12, "minute": 1, "second": 57}
